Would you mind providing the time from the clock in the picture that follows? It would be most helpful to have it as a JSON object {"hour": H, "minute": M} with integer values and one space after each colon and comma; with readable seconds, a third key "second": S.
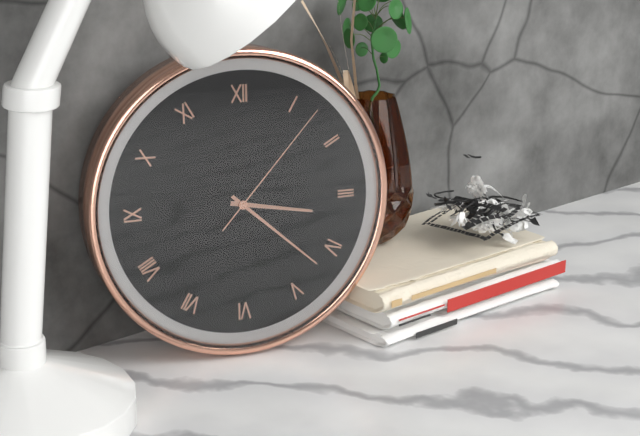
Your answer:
{"hour": 3, "minute": 22, "second": 7}
